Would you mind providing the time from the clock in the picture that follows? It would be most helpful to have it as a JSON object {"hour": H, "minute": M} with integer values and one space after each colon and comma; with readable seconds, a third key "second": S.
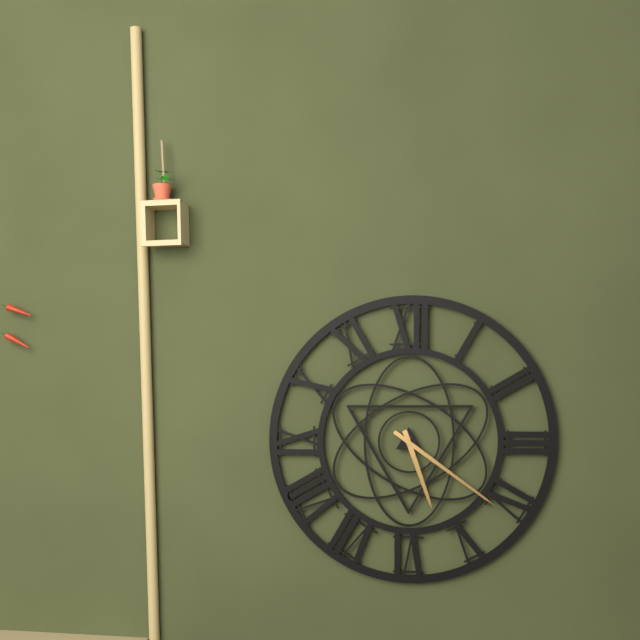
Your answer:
{"hour": 5, "minute": 21}
